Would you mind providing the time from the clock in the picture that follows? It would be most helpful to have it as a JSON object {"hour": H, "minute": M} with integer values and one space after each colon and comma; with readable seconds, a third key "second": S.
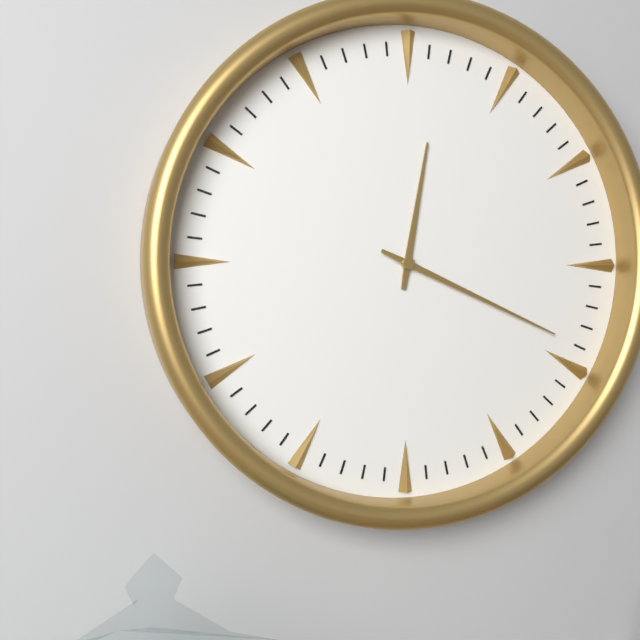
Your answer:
{"hour": 12, "minute": 19}
